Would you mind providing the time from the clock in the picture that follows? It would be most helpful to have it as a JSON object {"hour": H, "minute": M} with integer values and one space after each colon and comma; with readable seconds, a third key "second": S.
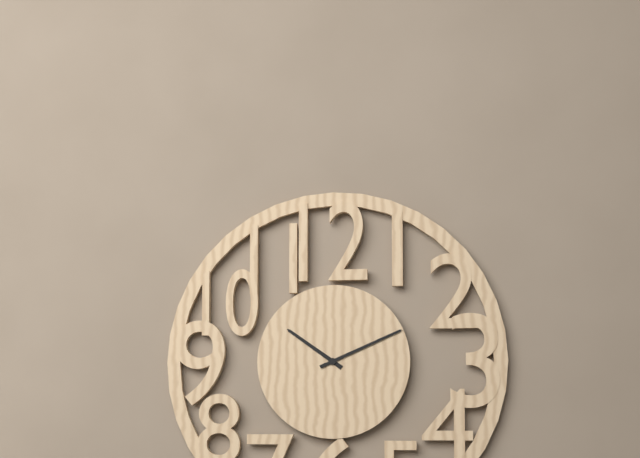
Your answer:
{"hour": 10, "minute": 11}
